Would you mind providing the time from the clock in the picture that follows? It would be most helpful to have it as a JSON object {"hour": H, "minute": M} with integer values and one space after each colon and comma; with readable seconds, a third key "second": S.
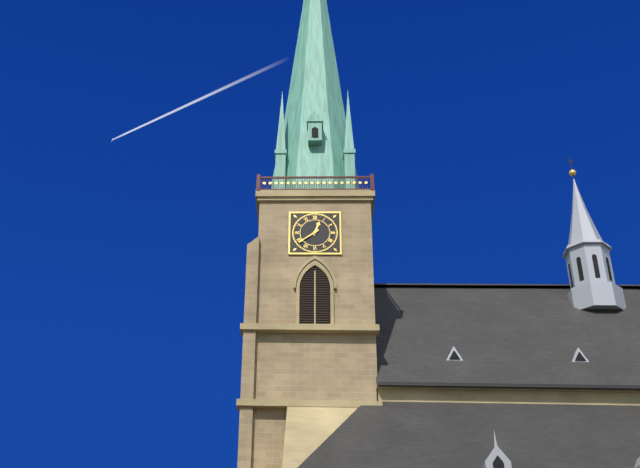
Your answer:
{"hour": 12, "minute": 39}
